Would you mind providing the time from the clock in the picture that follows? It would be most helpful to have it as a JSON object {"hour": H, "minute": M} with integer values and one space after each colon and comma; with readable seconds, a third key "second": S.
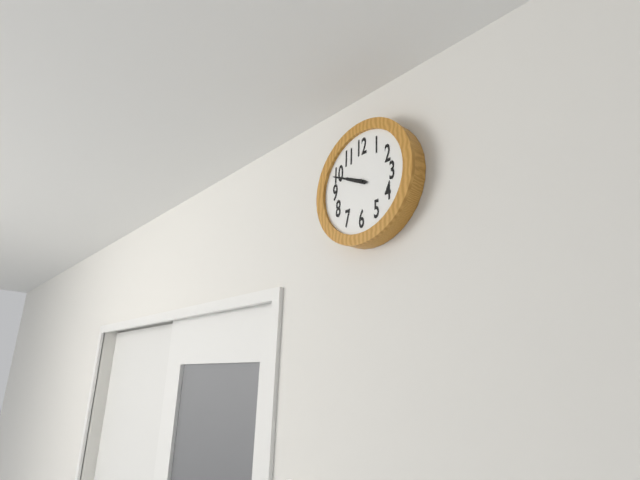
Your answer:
{"hour": 9, "minute": 49}
